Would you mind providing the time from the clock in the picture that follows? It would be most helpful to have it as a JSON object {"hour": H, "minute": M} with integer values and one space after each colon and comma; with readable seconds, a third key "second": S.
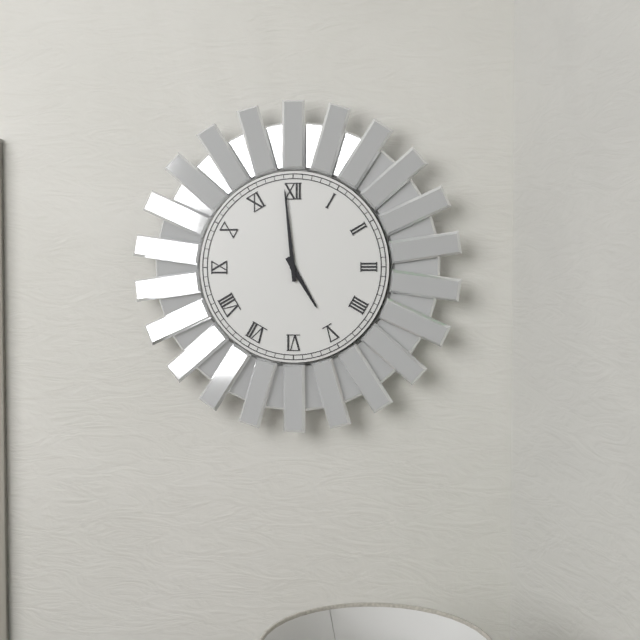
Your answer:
{"hour": 4, "minute": 59}
